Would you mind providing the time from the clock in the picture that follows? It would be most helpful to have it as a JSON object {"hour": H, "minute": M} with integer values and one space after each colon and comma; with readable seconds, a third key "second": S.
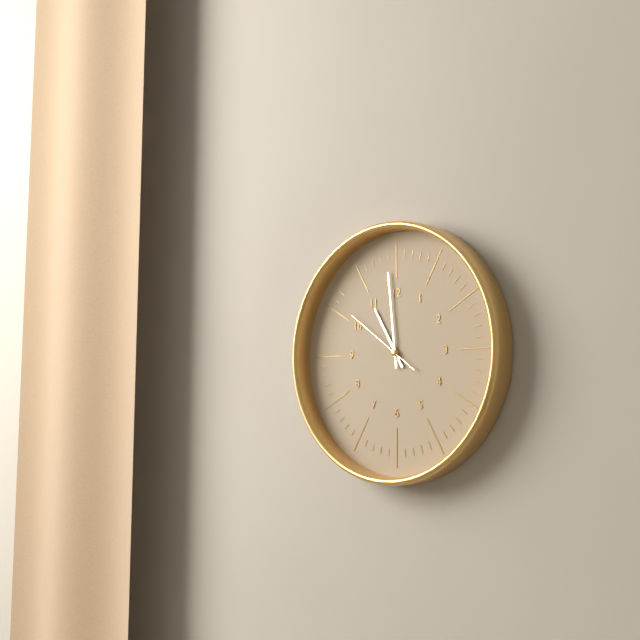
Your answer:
{"hour": 10, "minute": 59, "second": 51}
